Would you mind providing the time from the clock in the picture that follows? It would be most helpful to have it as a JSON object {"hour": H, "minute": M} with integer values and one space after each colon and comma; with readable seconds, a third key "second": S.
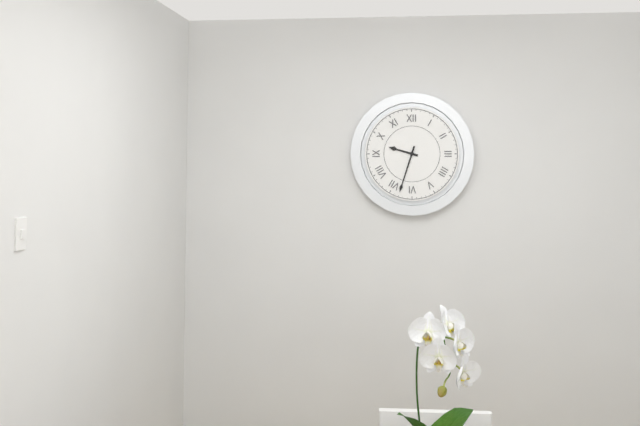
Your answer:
{"hour": 9, "minute": 33}
